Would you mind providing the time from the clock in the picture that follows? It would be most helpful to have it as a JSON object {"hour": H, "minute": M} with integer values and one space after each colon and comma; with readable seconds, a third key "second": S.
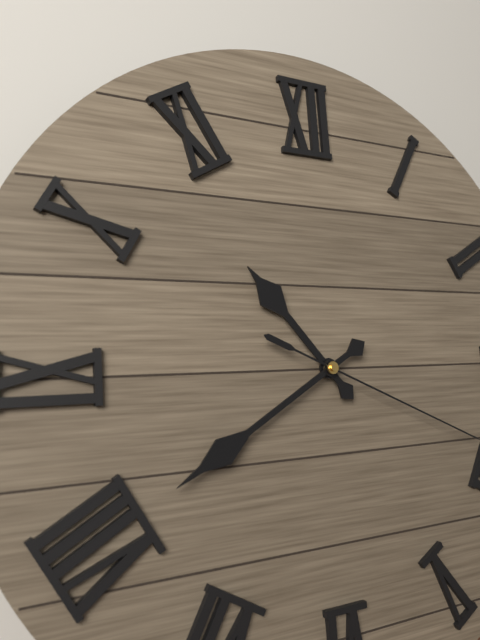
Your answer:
{"hour": 10, "minute": 40}
